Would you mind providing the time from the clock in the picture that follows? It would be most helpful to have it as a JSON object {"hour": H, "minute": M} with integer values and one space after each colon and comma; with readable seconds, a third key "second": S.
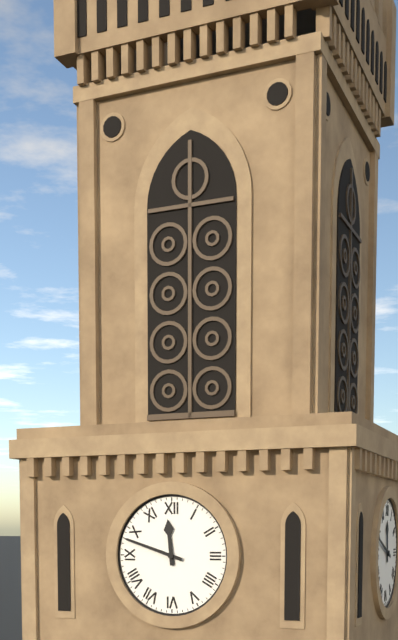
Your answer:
{"hour": 11, "minute": 48}
